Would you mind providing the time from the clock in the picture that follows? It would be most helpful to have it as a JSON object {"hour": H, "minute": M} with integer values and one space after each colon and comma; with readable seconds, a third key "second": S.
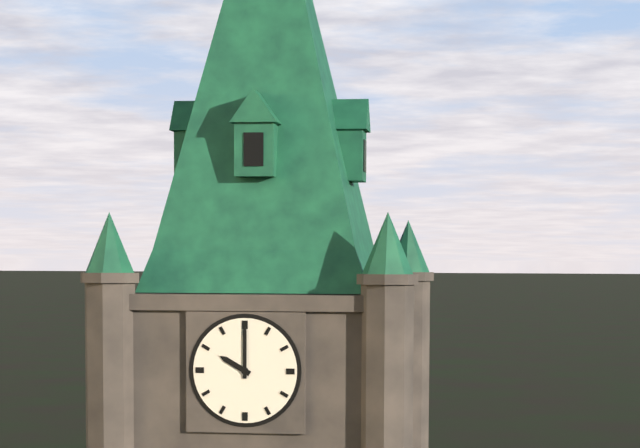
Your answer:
{"hour": 10, "minute": 0}
